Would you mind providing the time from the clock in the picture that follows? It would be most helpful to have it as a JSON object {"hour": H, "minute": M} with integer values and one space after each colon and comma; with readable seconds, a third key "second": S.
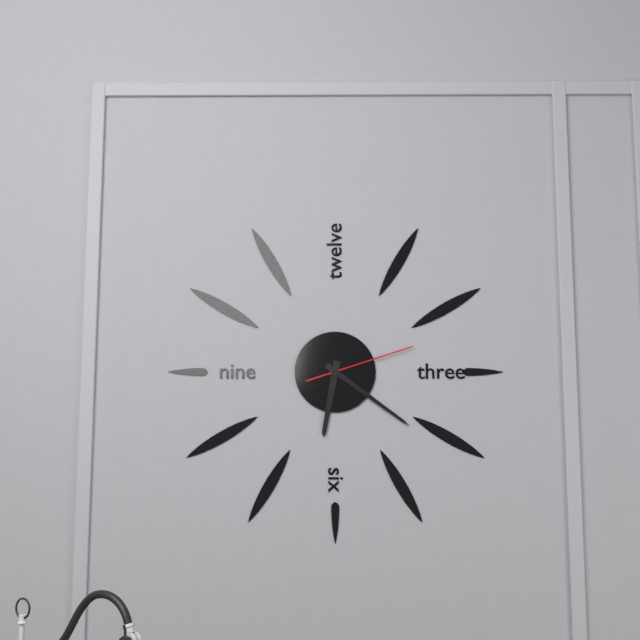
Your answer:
{"hour": 6, "minute": 21, "second": 12}
